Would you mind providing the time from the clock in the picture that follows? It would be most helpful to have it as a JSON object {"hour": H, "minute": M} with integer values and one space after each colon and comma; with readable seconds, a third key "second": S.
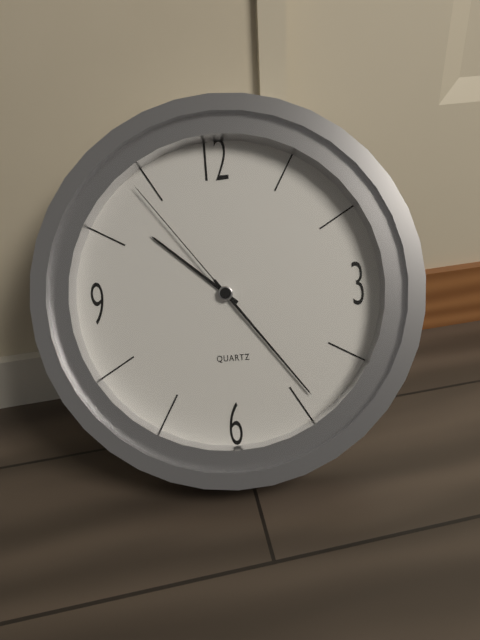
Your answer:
{"hour": 10, "minute": 24, "second": 54}
